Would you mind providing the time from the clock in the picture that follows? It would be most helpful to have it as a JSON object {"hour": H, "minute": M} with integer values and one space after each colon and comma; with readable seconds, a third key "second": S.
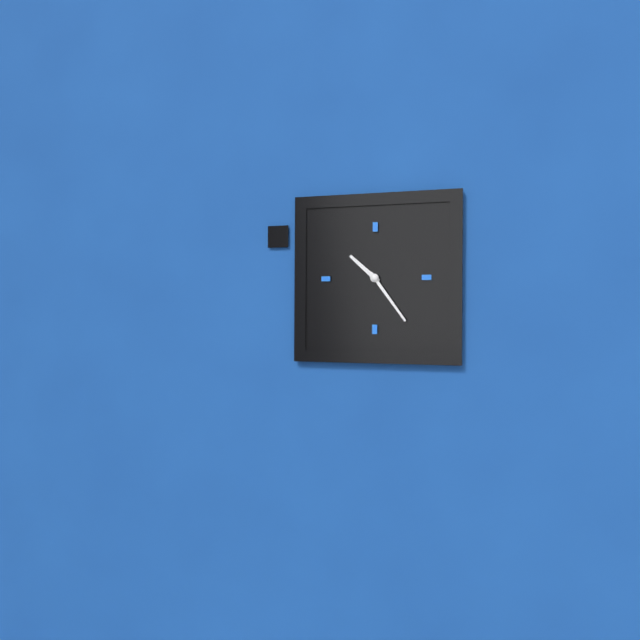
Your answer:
{"hour": 10, "minute": 24}
